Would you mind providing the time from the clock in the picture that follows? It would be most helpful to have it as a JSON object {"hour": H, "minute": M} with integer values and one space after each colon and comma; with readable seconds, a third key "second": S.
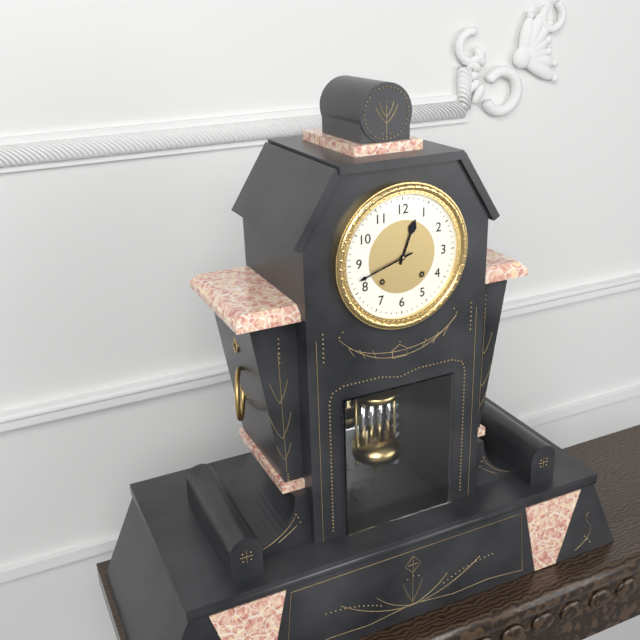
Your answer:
{"hour": 12, "minute": 42}
